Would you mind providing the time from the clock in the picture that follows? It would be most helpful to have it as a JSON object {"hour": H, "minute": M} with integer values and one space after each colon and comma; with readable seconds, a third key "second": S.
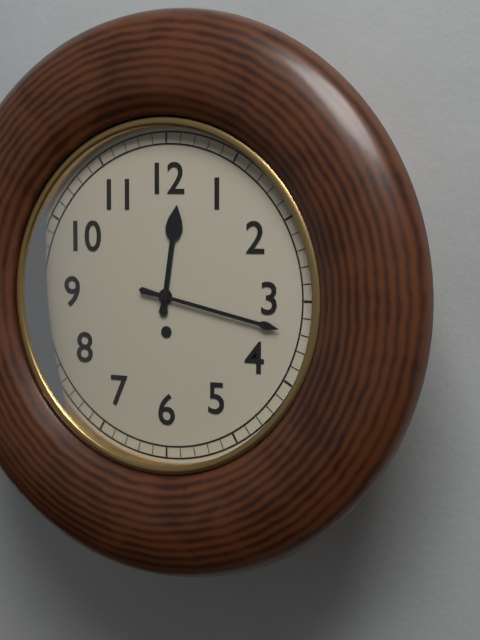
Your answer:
{"hour": 12, "minute": 17}
